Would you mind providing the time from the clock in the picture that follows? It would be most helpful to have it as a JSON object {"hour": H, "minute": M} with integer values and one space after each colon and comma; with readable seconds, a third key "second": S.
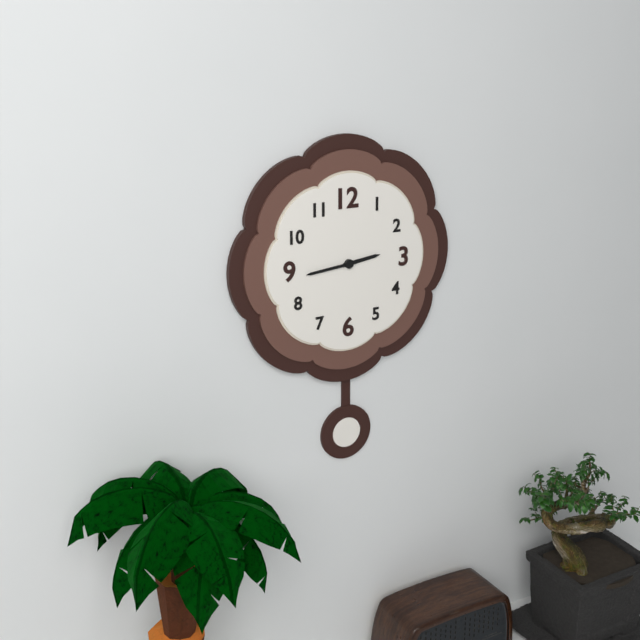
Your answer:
{"hour": 2, "minute": 44}
